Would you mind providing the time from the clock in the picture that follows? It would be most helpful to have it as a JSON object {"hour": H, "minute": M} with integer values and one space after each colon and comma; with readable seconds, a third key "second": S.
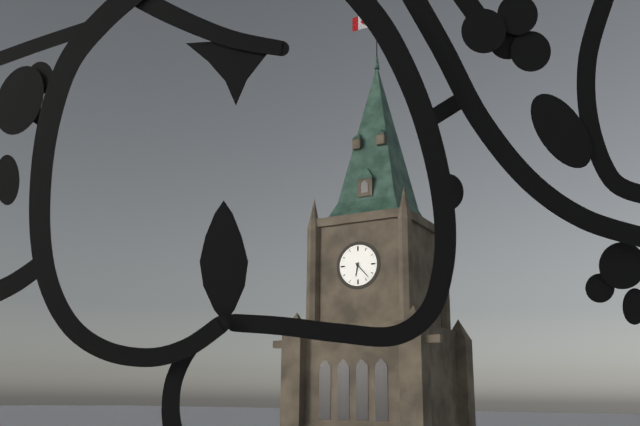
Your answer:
{"hour": 6, "minute": 23}
